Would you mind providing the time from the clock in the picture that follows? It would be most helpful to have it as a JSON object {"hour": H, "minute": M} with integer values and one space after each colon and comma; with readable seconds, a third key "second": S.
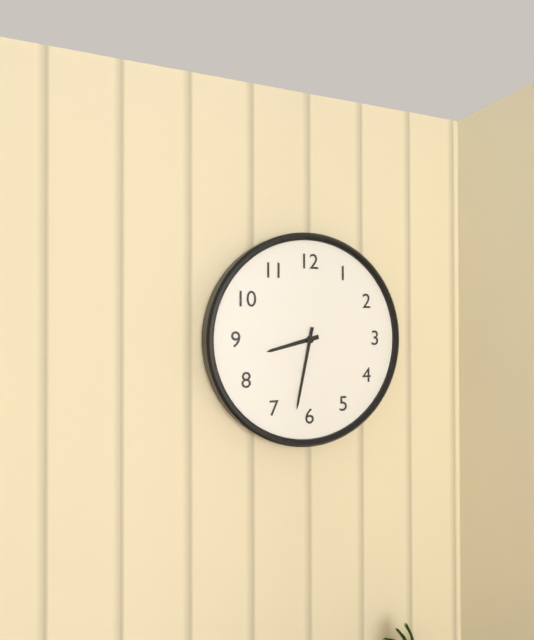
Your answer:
{"hour": 8, "minute": 32}
